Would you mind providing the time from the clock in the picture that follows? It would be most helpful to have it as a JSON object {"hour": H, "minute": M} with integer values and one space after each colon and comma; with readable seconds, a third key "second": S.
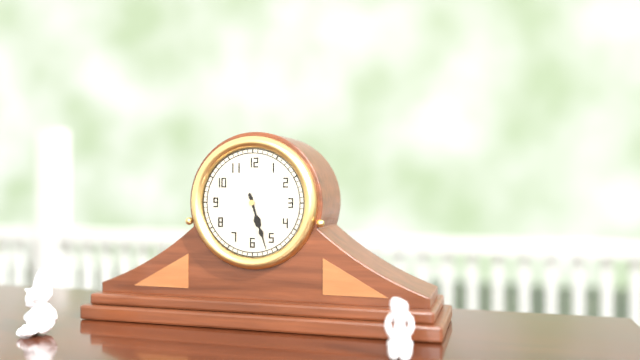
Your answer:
{"hour": 5, "minute": 27}
